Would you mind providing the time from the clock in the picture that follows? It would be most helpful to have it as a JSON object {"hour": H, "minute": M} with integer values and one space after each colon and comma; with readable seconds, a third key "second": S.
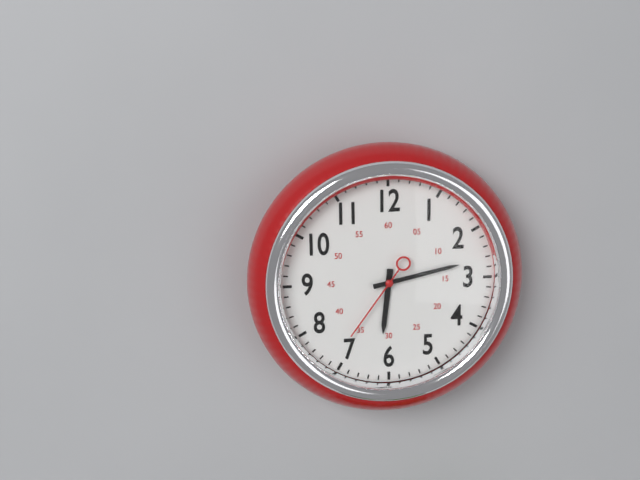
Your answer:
{"hour": 6, "minute": 13, "second": 36}
